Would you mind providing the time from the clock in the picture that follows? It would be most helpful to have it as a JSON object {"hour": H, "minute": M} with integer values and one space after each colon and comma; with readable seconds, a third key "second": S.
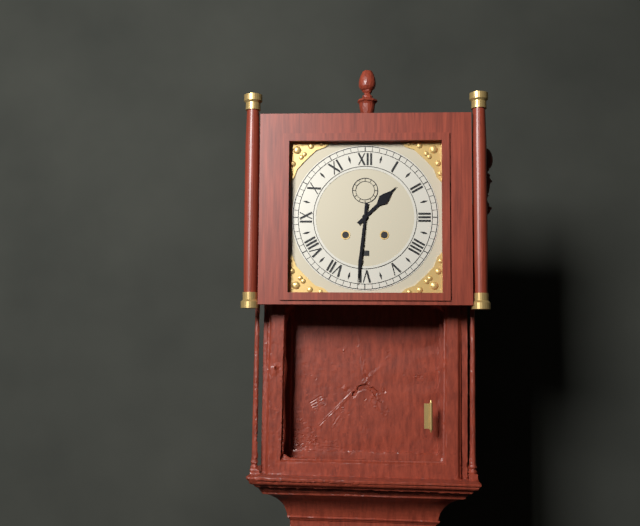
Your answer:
{"hour": 1, "minute": 31}
